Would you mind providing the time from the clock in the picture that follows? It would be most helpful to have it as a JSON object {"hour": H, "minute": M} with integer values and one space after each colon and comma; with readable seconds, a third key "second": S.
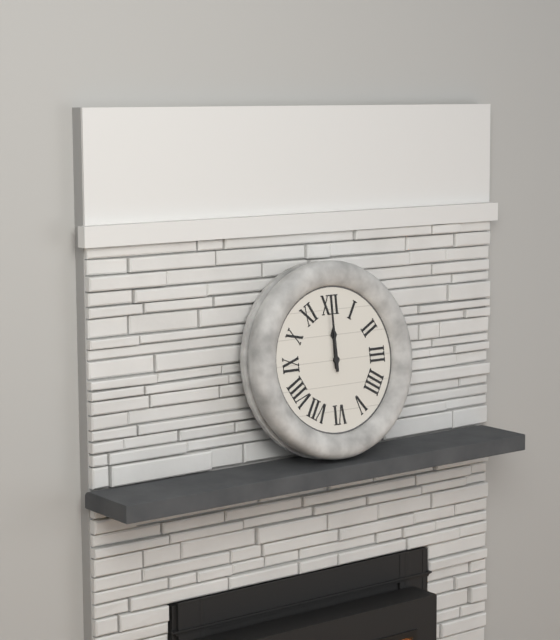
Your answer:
{"hour": 12, "minute": 0}
